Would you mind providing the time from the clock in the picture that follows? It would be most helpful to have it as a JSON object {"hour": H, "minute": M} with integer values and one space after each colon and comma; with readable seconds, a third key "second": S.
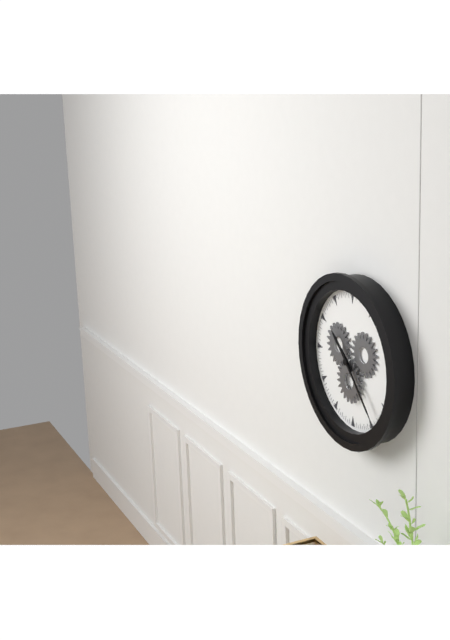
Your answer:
{"hour": 10, "minute": 23}
